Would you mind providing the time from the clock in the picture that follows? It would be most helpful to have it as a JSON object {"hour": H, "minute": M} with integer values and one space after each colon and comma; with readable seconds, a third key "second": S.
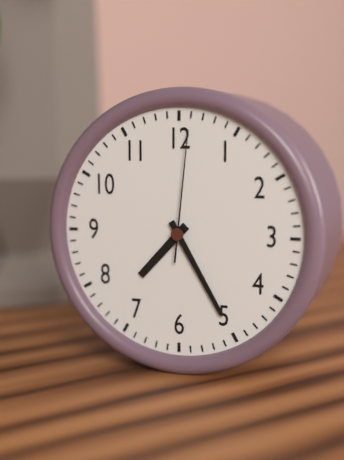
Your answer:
{"hour": 7, "minute": 25, "second": 1}
